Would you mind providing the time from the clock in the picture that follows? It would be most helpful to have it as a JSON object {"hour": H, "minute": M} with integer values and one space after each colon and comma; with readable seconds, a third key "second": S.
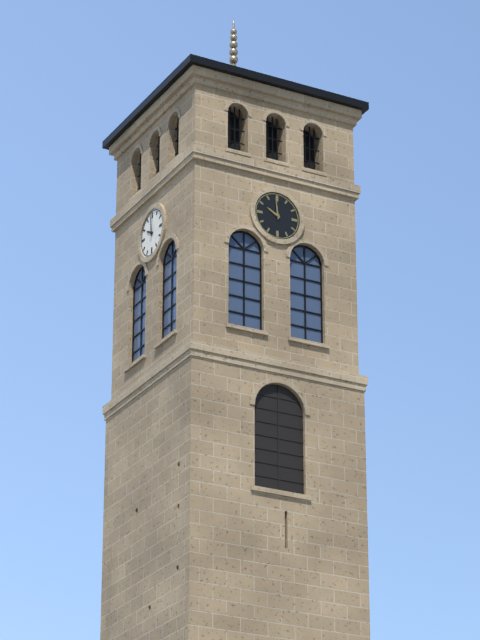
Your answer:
{"hour": 9, "minute": 59}
